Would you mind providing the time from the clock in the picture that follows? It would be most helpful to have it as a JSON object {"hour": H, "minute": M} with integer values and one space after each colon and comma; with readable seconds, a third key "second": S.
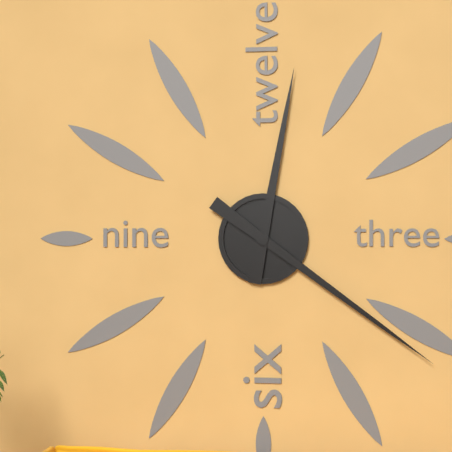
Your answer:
{"hour": 12, "minute": 21}
